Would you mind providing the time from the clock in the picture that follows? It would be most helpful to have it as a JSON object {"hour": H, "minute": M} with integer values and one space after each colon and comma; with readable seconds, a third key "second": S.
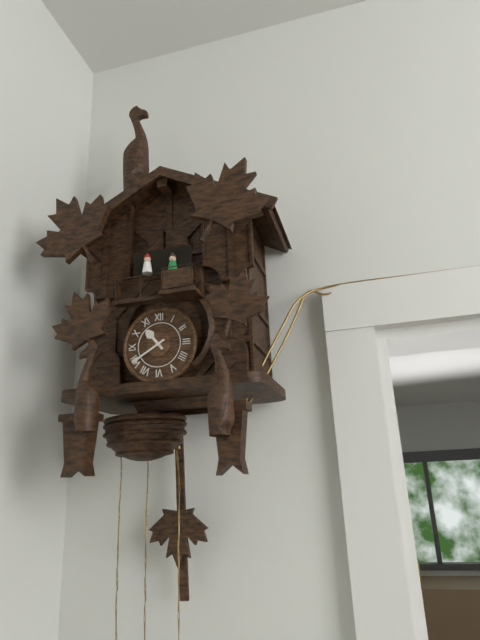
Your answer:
{"hour": 10, "minute": 40}
